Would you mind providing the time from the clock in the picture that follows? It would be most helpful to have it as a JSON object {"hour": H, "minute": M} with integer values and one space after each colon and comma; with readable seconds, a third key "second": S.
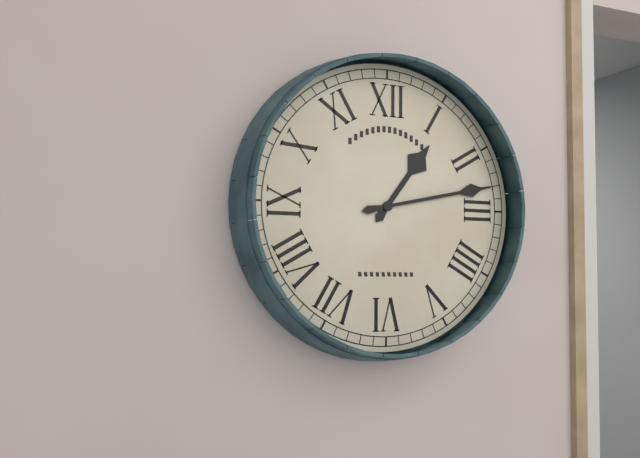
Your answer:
{"hour": 1, "minute": 13}
